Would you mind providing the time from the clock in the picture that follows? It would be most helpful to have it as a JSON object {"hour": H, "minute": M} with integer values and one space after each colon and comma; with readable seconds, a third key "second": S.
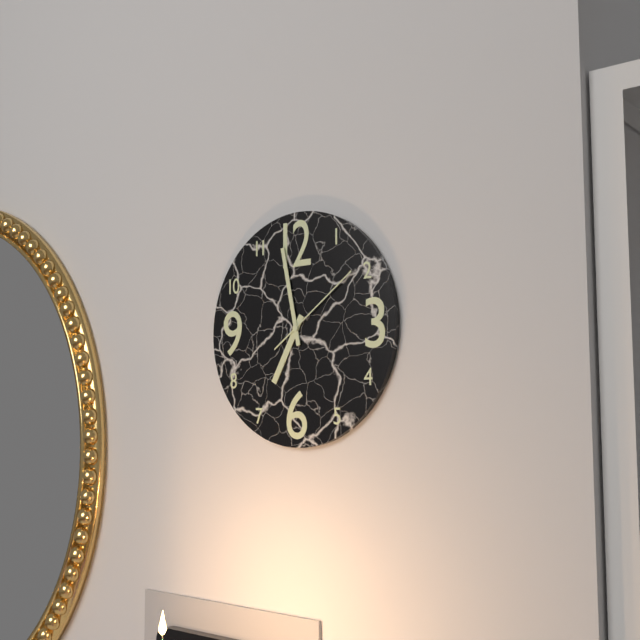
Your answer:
{"hour": 6, "minute": 58, "second": 9}
